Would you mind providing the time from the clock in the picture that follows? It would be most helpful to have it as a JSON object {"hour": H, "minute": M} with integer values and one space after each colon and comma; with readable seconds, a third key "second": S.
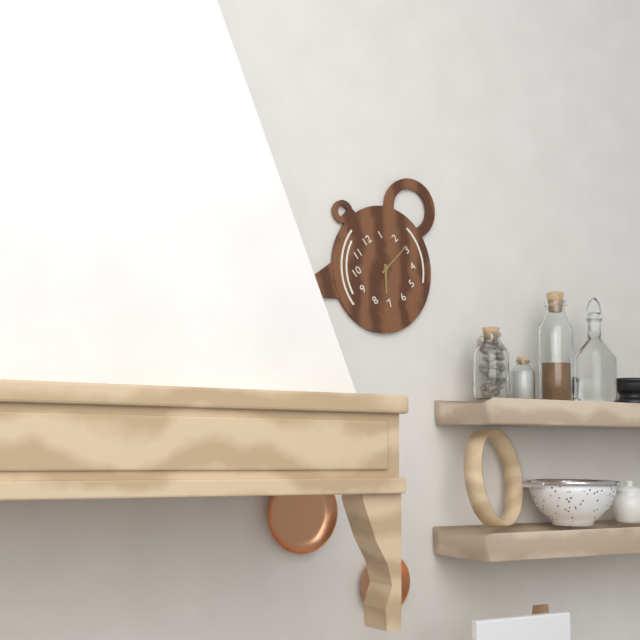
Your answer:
{"hour": 7, "minute": 14}
